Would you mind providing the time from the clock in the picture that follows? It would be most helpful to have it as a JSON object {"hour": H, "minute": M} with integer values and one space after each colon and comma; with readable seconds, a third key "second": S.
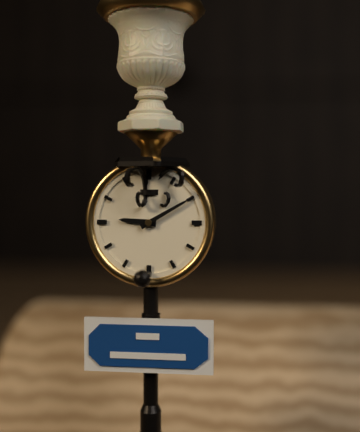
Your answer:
{"hour": 9, "minute": 10}
